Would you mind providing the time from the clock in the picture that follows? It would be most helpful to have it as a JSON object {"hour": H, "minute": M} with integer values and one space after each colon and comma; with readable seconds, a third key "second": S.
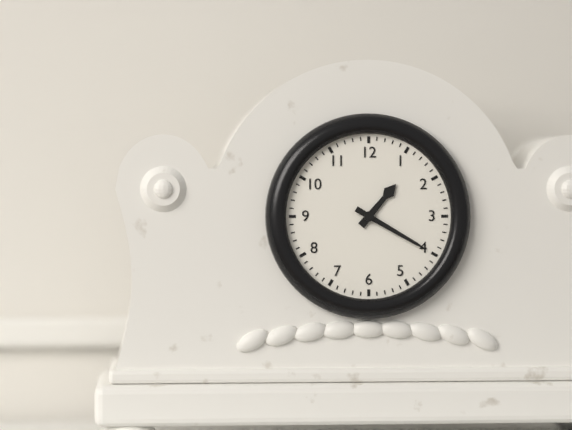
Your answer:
{"hour": 1, "minute": 20}
